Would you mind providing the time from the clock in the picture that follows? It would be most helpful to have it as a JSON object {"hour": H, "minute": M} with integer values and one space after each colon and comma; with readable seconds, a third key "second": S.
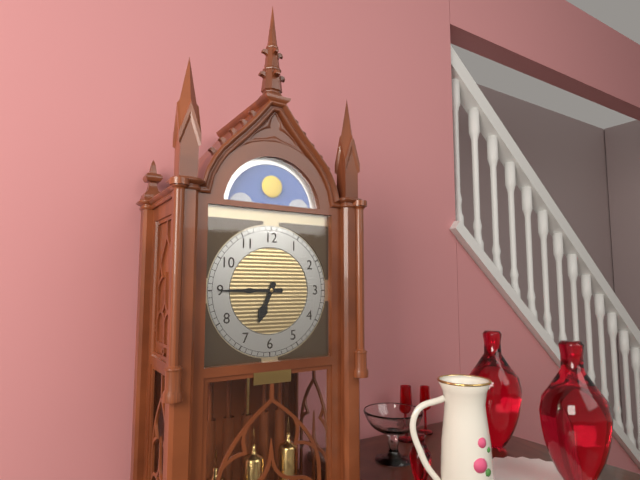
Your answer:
{"hour": 6, "minute": 45}
